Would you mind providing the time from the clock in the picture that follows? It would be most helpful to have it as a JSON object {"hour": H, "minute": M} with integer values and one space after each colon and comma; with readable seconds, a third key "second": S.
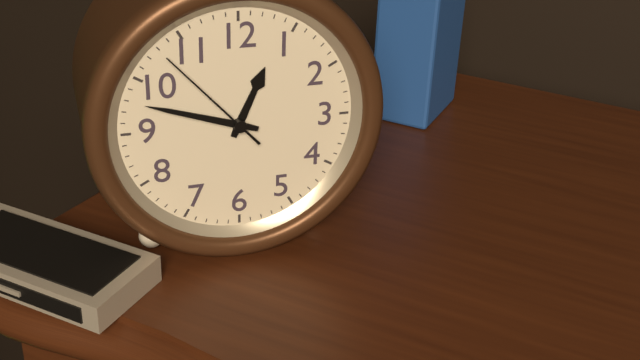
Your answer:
{"hour": 12, "minute": 48, "second": 53}
